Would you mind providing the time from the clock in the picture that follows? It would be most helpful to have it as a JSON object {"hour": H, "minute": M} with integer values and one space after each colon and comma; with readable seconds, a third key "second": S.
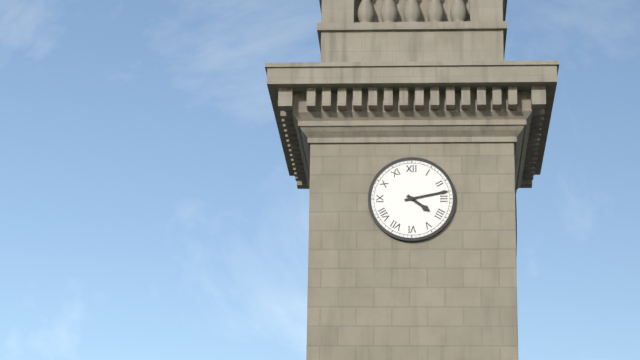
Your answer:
{"hour": 4, "minute": 13}
